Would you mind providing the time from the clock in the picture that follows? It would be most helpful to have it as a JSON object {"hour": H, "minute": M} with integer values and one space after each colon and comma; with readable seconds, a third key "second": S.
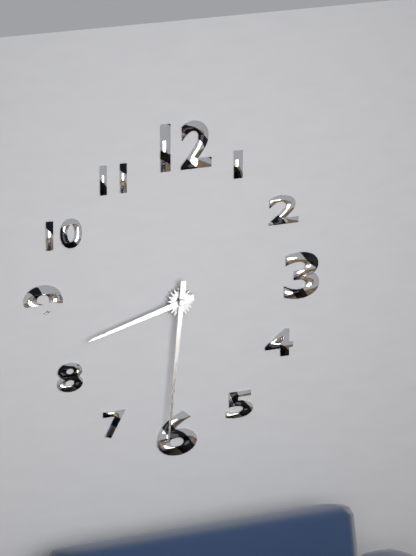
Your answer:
{"hour": 8, "minute": 31}
